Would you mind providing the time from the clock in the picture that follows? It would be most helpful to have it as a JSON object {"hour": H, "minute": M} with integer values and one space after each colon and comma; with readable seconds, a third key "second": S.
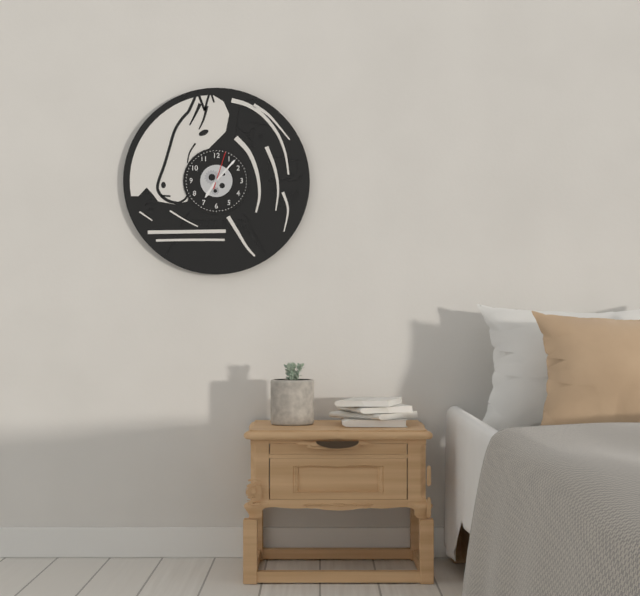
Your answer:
{"hour": 7, "minute": 7}
